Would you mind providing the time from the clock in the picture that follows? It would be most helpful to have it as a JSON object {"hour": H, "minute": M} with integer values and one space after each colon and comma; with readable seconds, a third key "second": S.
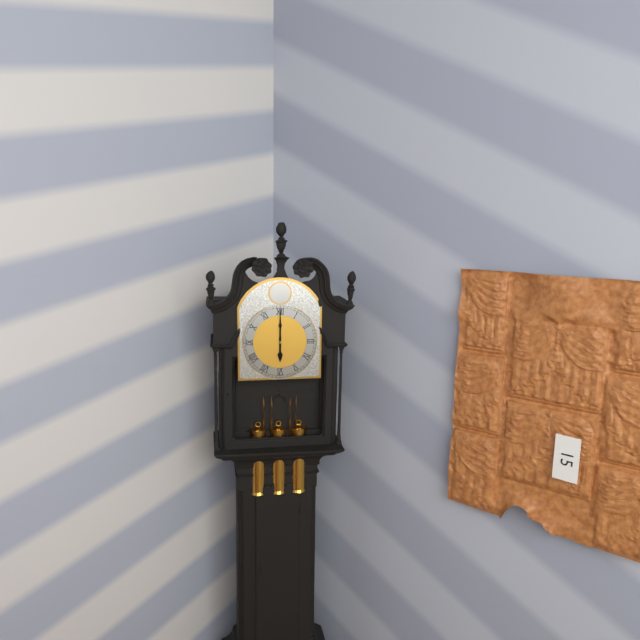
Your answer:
{"hour": 6, "minute": 0}
